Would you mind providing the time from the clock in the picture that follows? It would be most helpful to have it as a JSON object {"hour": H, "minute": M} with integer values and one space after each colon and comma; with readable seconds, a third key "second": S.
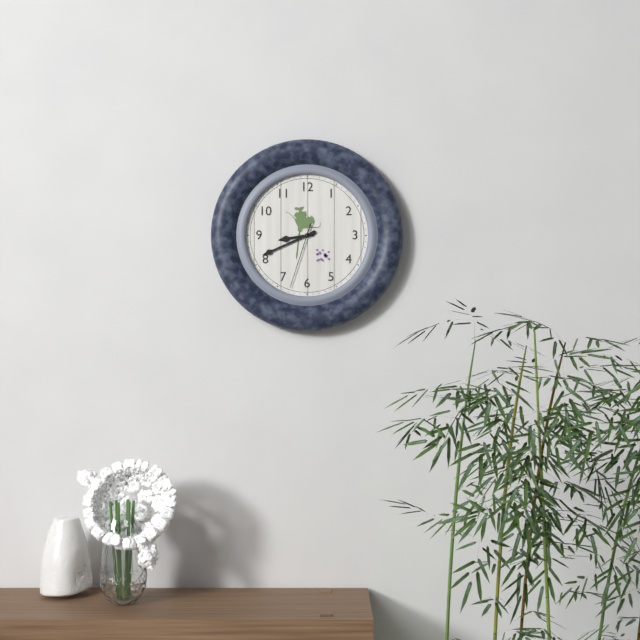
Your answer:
{"hour": 8, "minute": 41, "second": 33}
